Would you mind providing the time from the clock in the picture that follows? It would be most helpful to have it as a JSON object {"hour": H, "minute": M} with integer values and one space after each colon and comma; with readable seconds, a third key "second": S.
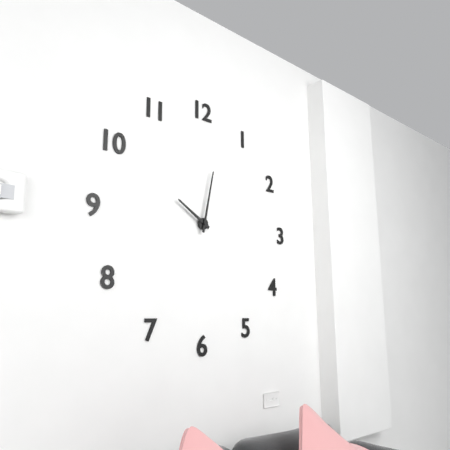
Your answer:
{"hour": 10, "minute": 2}
